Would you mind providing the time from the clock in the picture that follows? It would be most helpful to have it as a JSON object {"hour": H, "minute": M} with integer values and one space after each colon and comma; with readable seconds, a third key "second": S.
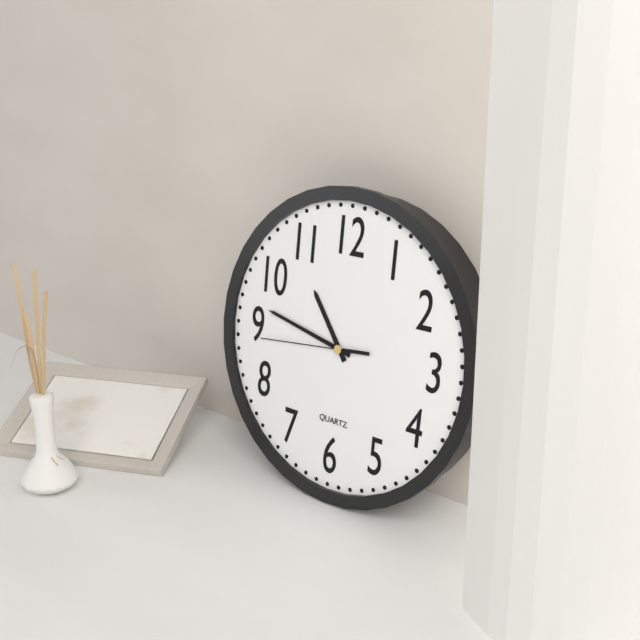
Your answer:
{"hour": 10, "minute": 47, "second": 44}
